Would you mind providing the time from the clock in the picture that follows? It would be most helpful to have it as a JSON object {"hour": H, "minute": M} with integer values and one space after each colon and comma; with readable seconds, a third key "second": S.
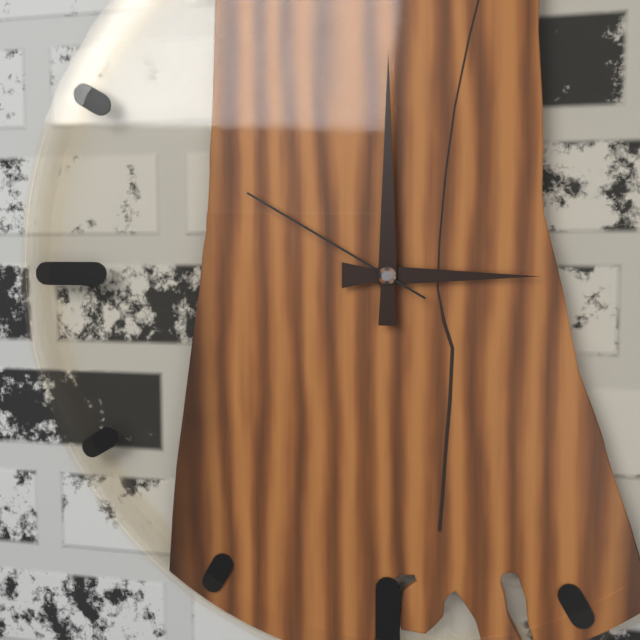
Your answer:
{"hour": 3, "minute": 0, "second": 50}
